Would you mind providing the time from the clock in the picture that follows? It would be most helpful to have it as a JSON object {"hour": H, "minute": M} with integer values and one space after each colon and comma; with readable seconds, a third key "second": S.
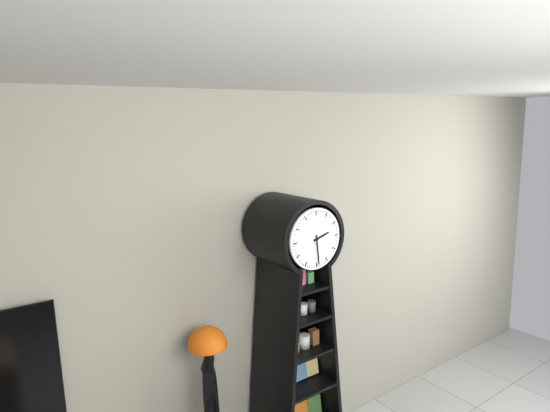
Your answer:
{"hour": 2, "minute": 29}
